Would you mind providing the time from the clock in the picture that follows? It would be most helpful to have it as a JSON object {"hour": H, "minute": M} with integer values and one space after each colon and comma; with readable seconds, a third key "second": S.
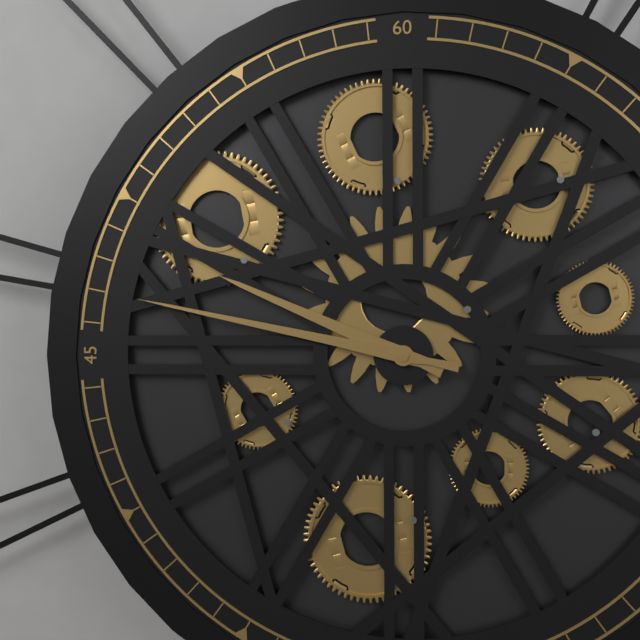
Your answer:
{"hour": 9, "minute": 47}
